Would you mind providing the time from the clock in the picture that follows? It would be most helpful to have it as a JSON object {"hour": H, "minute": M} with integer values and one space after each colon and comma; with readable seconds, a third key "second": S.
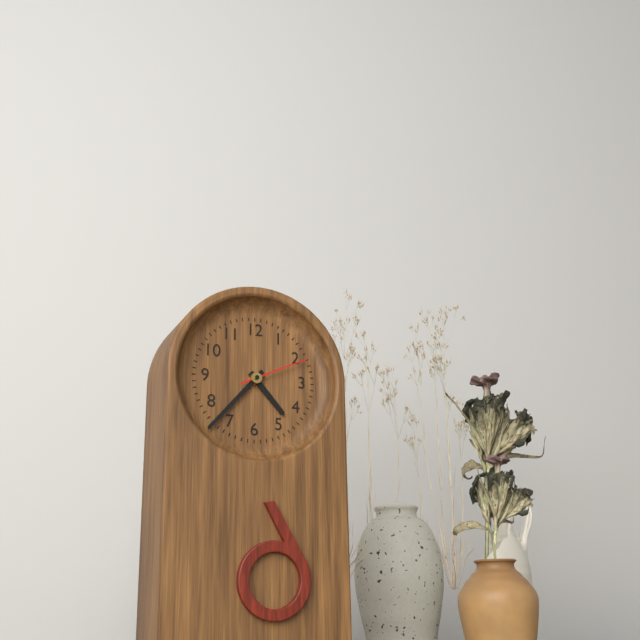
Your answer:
{"hour": 4, "minute": 37, "second": 11}
